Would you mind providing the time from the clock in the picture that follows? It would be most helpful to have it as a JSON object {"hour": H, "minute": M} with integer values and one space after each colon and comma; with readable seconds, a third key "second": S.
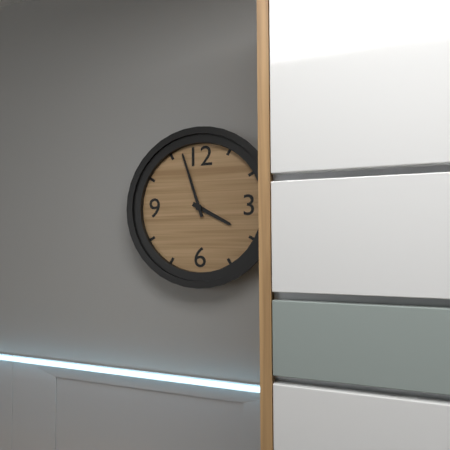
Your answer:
{"hour": 3, "minute": 57}
